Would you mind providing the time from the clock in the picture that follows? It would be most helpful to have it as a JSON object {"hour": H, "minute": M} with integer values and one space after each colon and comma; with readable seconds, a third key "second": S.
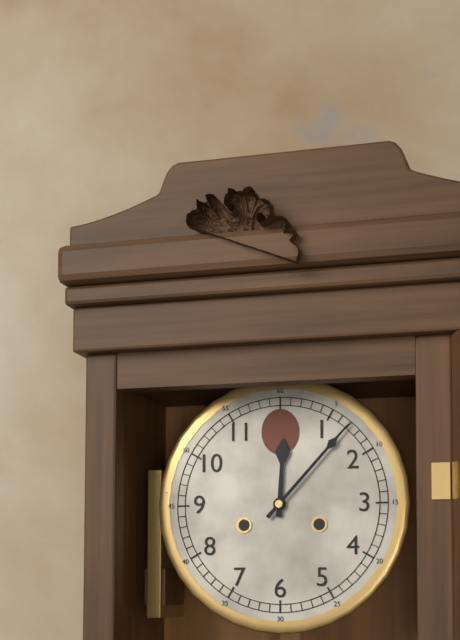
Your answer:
{"hour": 12, "minute": 7}
